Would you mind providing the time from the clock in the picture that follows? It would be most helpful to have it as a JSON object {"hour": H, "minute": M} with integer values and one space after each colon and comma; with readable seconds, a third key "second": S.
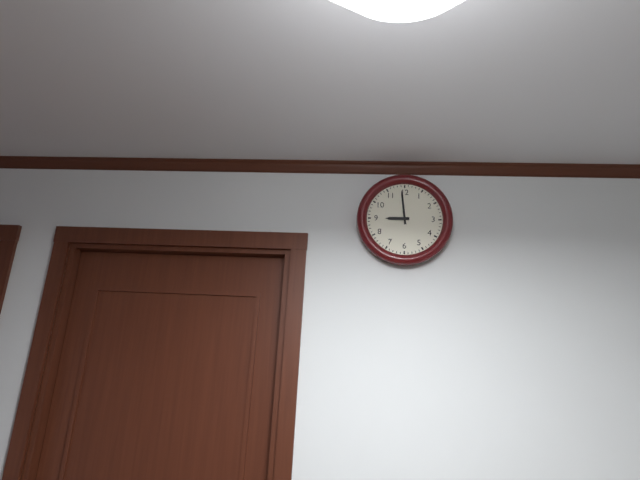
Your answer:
{"hour": 8, "minute": 59}
